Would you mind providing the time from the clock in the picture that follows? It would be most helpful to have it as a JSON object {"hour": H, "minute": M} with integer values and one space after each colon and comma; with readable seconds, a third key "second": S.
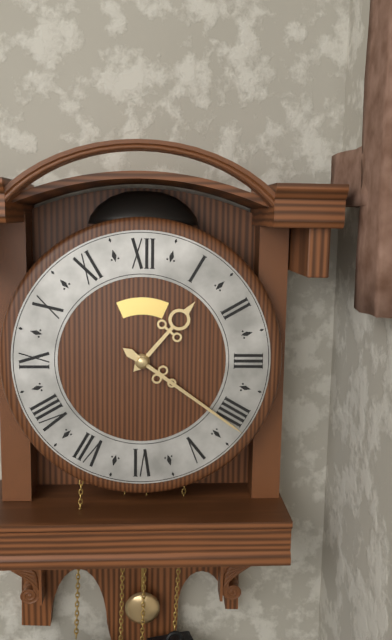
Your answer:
{"hour": 1, "minute": 21}
